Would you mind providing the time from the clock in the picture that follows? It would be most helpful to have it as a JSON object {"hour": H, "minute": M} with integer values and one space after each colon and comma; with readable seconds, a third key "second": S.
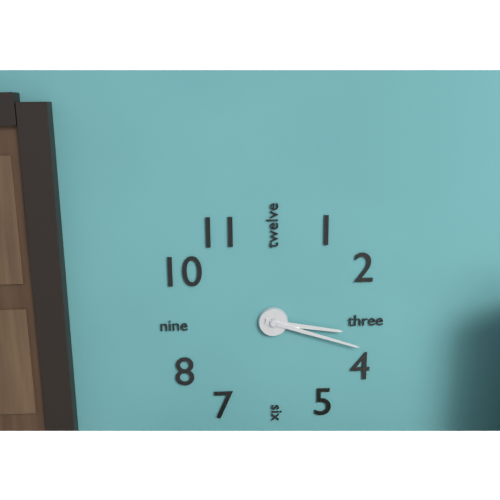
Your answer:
{"hour": 3, "minute": 18}
